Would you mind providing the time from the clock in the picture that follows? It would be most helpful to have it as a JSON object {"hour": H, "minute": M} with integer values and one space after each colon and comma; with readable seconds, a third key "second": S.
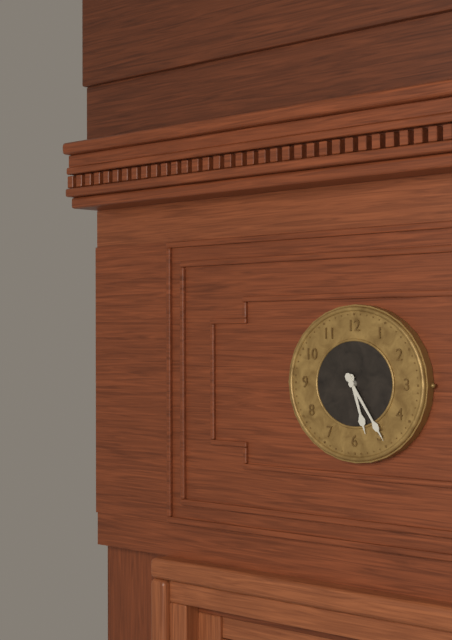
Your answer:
{"hour": 5, "minute": 24}
